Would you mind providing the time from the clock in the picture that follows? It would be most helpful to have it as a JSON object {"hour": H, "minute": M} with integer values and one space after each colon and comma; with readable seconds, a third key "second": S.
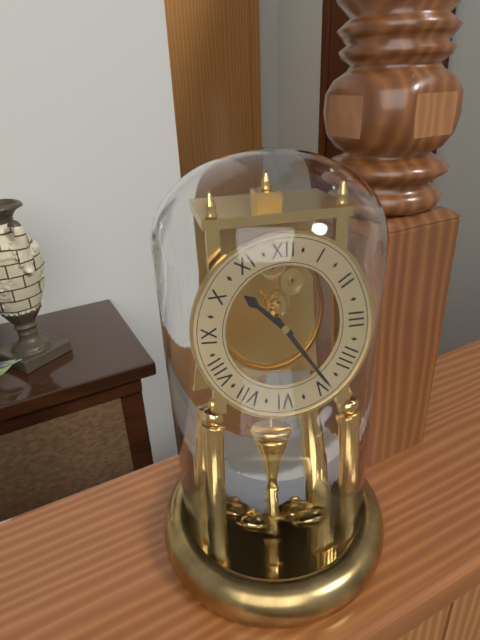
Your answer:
{"hour": 10, "minute": 24}
